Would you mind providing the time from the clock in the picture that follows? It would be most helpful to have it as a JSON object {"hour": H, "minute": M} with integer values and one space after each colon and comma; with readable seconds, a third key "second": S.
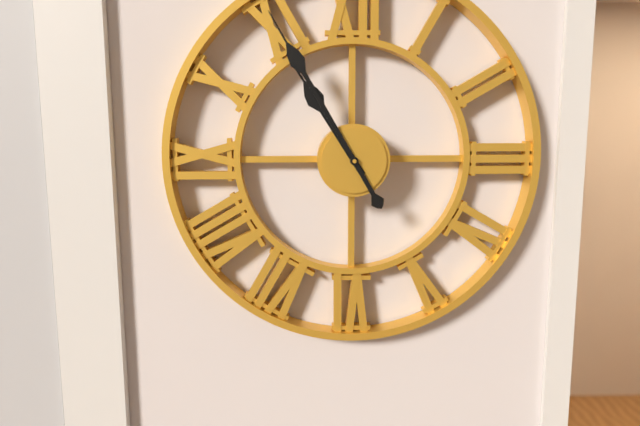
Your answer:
{"hour": 10, "minute": 55}
